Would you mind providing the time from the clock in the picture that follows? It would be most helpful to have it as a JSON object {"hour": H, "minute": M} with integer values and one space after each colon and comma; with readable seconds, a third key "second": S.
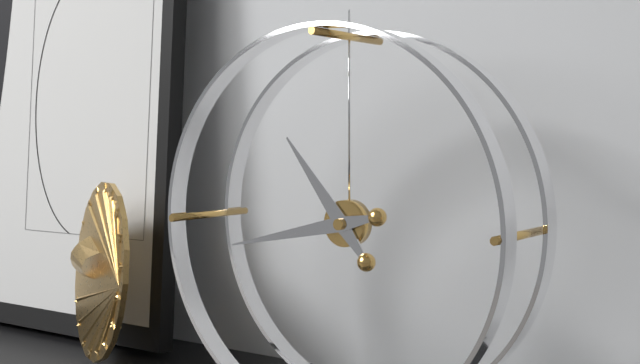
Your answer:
{"hour": 10, "minute": 43}
